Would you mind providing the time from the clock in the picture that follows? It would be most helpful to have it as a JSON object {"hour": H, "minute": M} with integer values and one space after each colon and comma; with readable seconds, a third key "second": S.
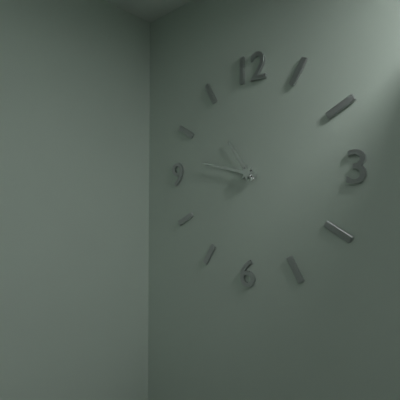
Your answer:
{"hour": 10, "minute": 47}
